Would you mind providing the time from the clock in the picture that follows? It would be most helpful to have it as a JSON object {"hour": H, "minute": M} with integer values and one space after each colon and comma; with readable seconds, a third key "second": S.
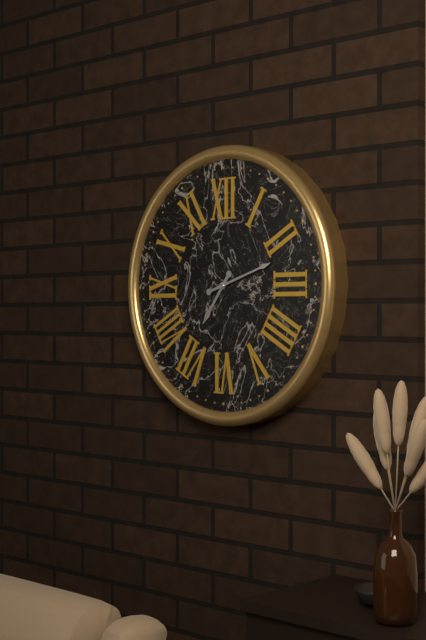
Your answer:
{"hour": 7, "minute": 12}
